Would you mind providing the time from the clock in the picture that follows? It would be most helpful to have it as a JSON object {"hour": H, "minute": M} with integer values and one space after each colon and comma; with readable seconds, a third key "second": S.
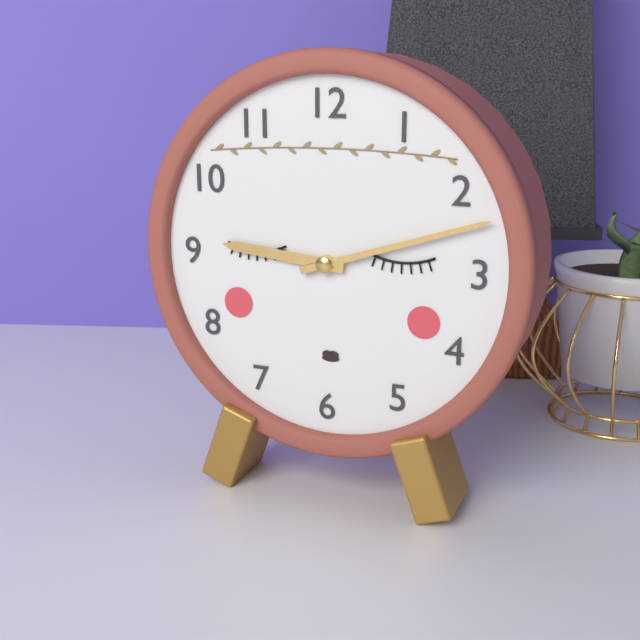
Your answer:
{"hour": 9, "minute": 12}
